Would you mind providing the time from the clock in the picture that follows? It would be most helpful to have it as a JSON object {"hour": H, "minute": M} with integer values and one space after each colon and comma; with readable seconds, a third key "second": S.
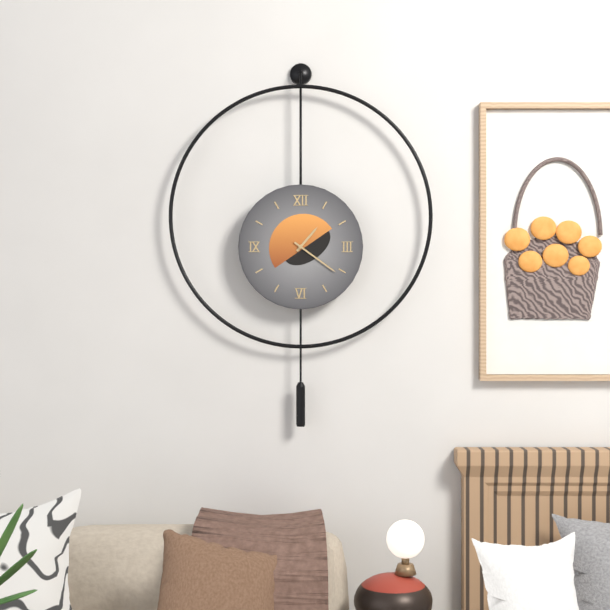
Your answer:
{"hour": 1, "minute": 21}
